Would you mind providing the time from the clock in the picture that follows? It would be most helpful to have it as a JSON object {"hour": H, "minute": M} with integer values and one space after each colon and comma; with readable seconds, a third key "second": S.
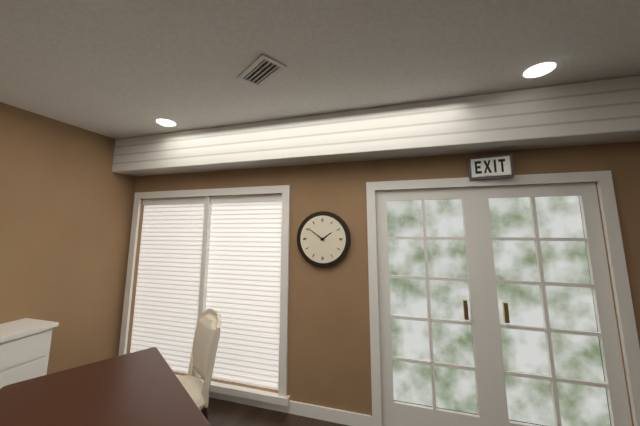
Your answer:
{"hour": 1, "minute": 51}
